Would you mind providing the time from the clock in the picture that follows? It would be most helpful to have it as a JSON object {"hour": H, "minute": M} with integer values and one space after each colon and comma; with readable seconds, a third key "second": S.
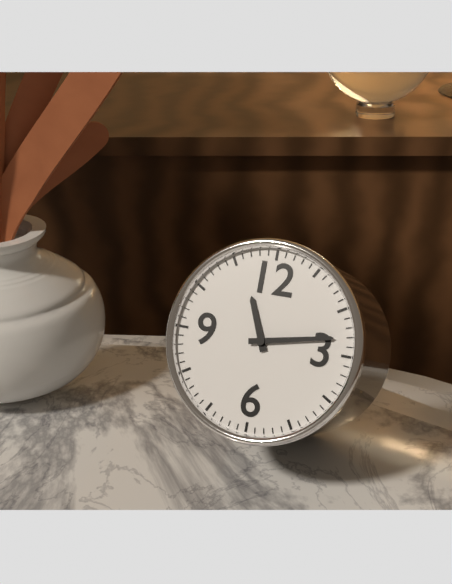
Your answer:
{"hour": 11, "minute": 13}
